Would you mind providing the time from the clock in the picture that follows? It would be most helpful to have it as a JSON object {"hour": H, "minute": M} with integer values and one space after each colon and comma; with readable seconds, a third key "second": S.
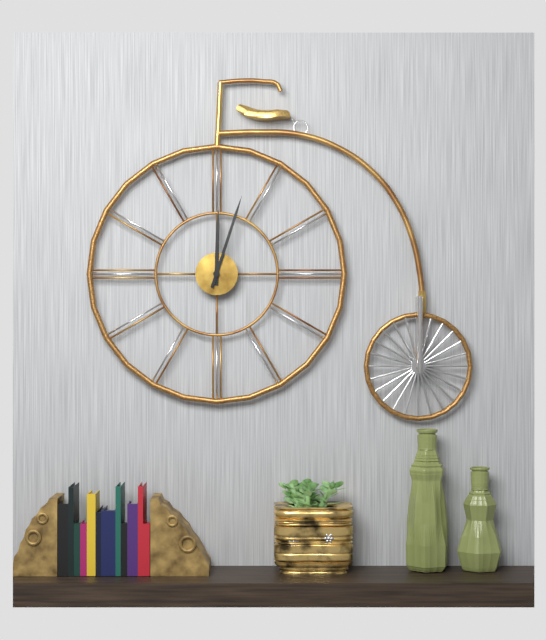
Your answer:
{"hour": 12, "minute": 3}
